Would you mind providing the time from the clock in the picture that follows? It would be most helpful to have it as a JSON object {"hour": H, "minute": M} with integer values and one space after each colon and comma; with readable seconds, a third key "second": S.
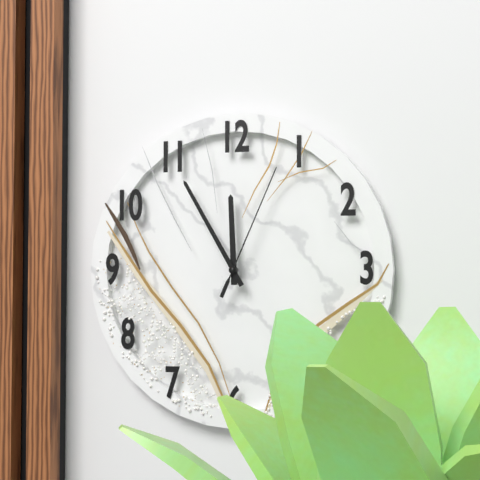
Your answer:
{"hour": 11, "minute": 55, "second": 4}
